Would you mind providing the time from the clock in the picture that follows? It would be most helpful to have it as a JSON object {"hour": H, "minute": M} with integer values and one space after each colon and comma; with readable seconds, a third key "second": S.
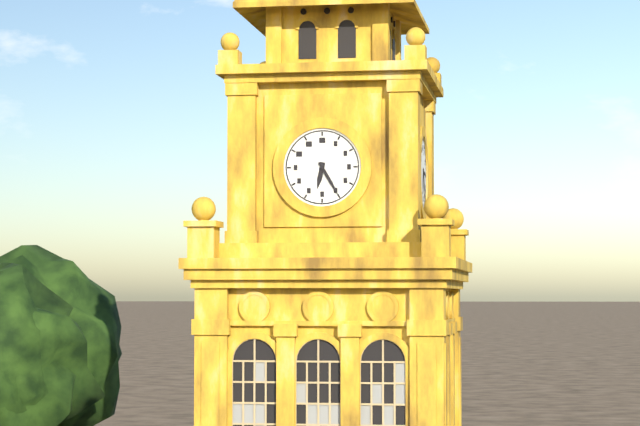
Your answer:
{"hour": 6, "minute": 25}
